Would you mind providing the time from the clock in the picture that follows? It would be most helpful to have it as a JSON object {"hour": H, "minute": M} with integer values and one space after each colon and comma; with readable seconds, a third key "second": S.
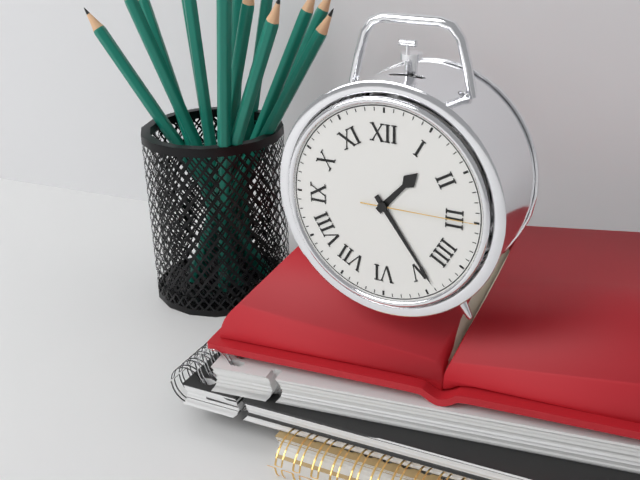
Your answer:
{"hour": 1, "minute": 24, "second": 15}
